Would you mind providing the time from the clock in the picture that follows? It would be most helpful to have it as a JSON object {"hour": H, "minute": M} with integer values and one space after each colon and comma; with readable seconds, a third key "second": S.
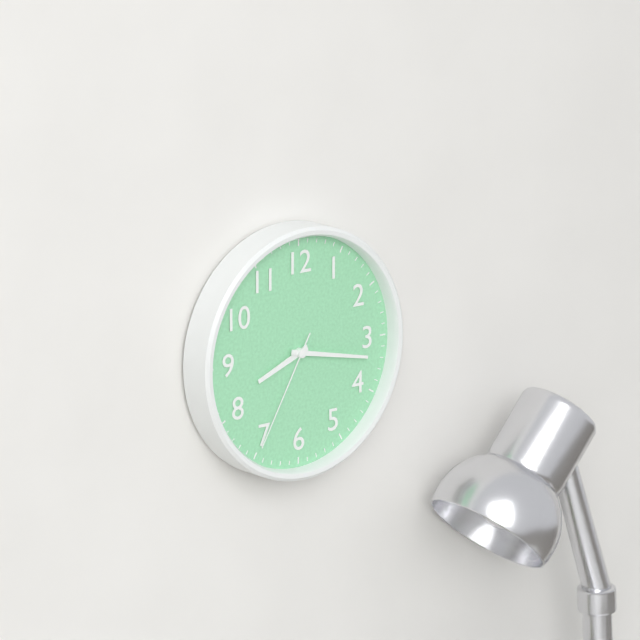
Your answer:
{"hour": 8, "minute": 17, "second": 35}
